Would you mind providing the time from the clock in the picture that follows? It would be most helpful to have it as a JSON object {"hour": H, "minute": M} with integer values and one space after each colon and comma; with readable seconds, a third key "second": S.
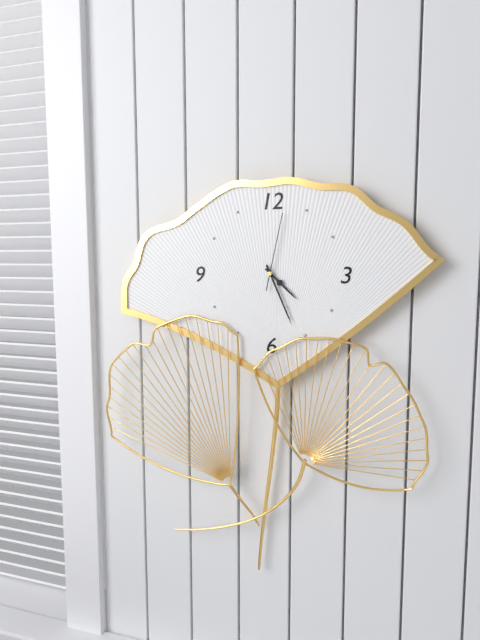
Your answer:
{"hour": 4, "minute": 26, "second": 2}
